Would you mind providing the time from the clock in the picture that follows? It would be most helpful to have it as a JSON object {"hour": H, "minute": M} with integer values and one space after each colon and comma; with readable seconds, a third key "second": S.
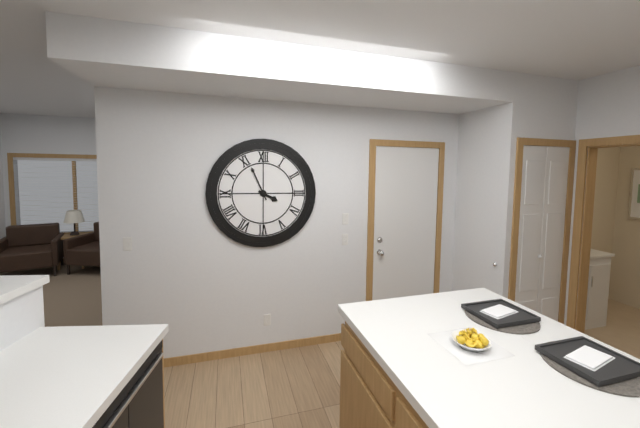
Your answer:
{"hour": 3, "minute": 56}
